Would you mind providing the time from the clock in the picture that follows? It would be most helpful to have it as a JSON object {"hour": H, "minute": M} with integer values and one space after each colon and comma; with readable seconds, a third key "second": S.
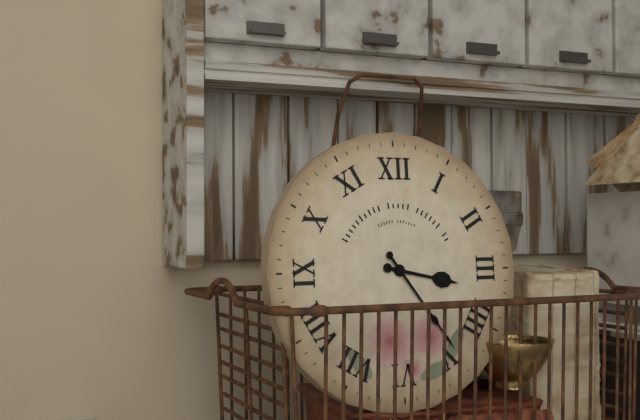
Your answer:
{"hour": 3, "minute": 24}
